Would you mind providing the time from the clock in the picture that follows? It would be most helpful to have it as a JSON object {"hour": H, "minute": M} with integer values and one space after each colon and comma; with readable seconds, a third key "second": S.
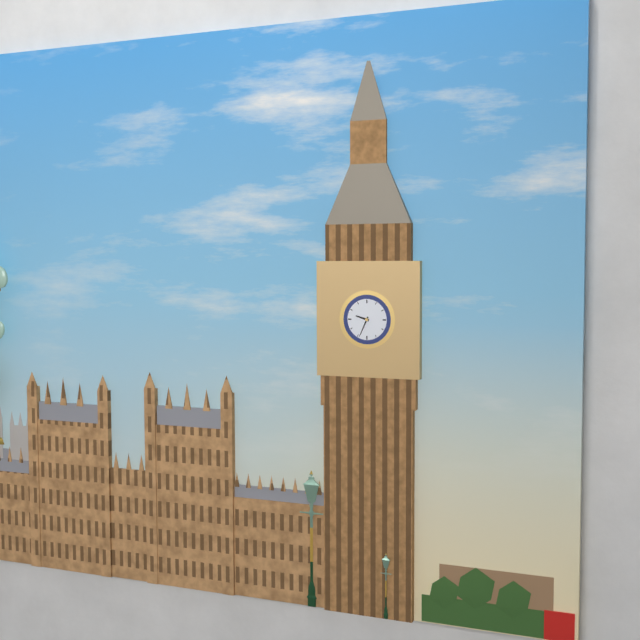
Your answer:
{"hour": 9, "minute": 34}
